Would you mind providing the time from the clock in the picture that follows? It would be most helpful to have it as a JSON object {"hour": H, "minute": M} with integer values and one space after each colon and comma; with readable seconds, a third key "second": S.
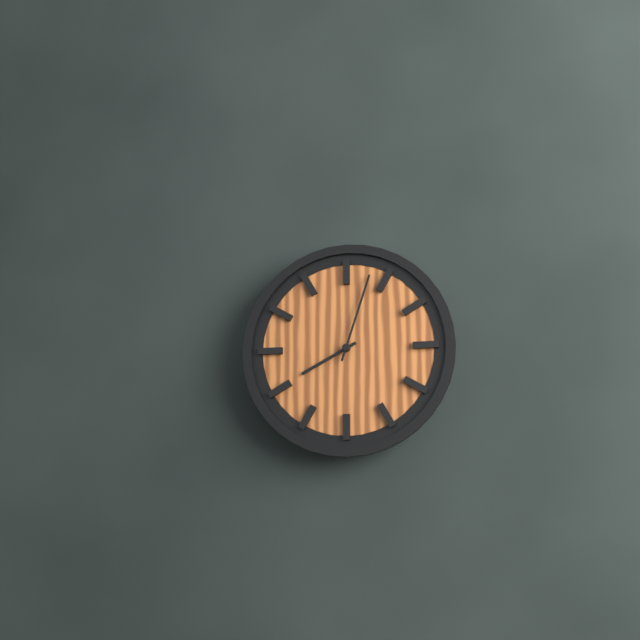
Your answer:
{"hour": 8, "minute": 3}
